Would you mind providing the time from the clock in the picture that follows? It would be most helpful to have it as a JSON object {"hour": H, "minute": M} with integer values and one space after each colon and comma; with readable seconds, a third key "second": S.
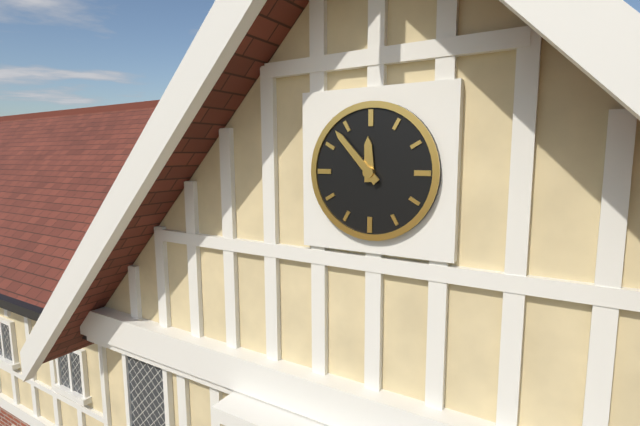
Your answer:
{"hour": 11, "minute": 53}
